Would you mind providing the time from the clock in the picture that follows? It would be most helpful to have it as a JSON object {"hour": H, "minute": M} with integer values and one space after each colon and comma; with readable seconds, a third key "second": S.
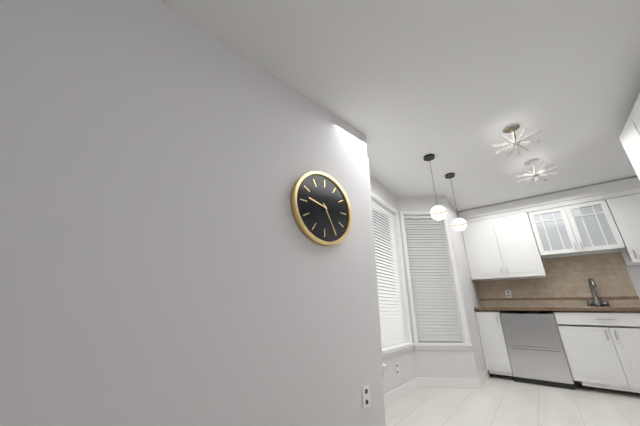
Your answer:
{"hour": 9, "minute": 25}
